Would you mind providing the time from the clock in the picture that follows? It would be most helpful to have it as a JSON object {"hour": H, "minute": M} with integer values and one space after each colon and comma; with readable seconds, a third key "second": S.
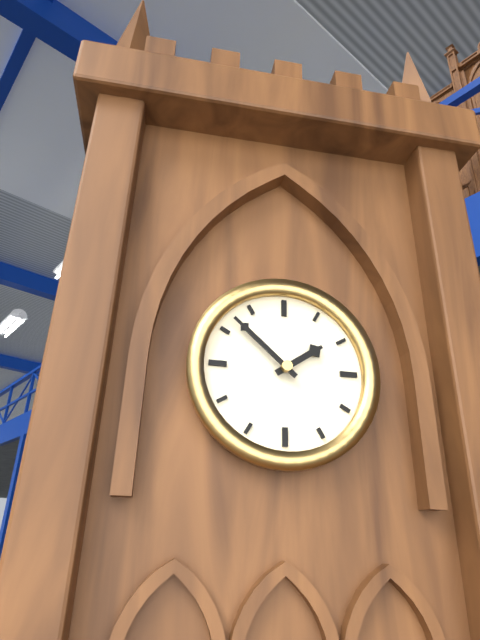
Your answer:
{"hour": 1, "minute": 52}
